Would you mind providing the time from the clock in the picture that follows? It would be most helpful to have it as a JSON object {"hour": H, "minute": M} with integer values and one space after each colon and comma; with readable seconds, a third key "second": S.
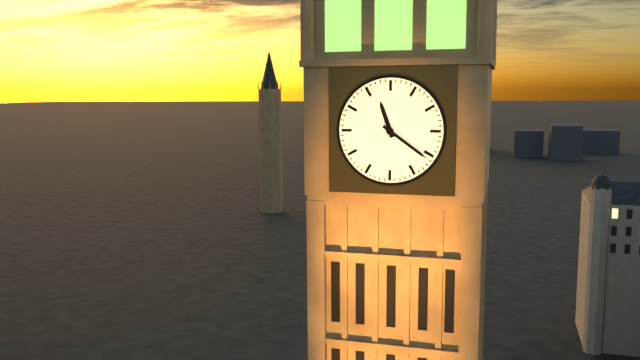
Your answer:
{"hour": 11, "minute": 21}
